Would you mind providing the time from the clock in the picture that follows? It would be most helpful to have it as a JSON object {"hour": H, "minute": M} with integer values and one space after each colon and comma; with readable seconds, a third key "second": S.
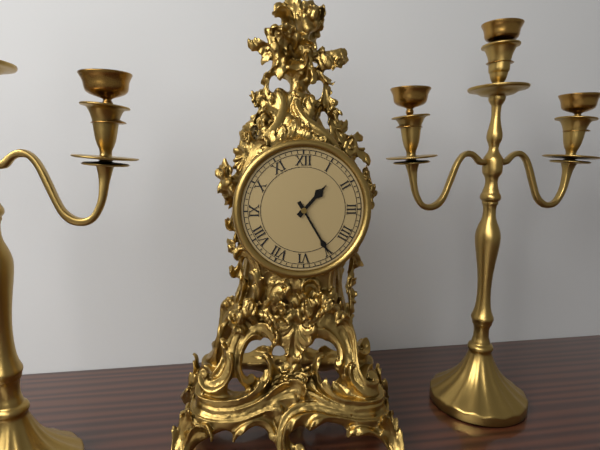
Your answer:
{"hour": 1, "minute": 25}
